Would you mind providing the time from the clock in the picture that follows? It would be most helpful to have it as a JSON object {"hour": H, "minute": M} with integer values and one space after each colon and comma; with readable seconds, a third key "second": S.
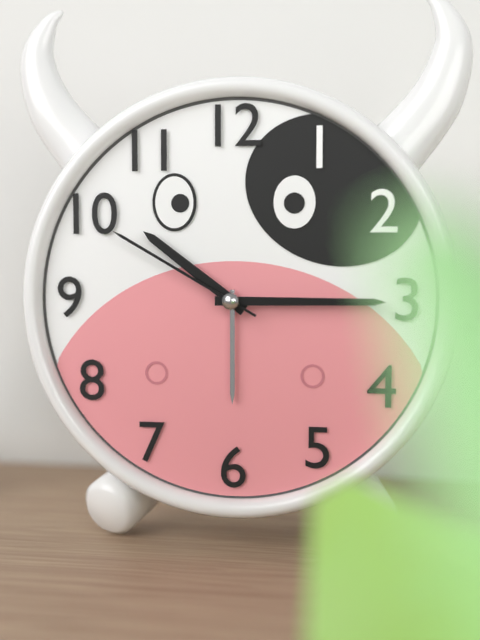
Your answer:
{"hour": 10, "minute": 15, "second": 50}
